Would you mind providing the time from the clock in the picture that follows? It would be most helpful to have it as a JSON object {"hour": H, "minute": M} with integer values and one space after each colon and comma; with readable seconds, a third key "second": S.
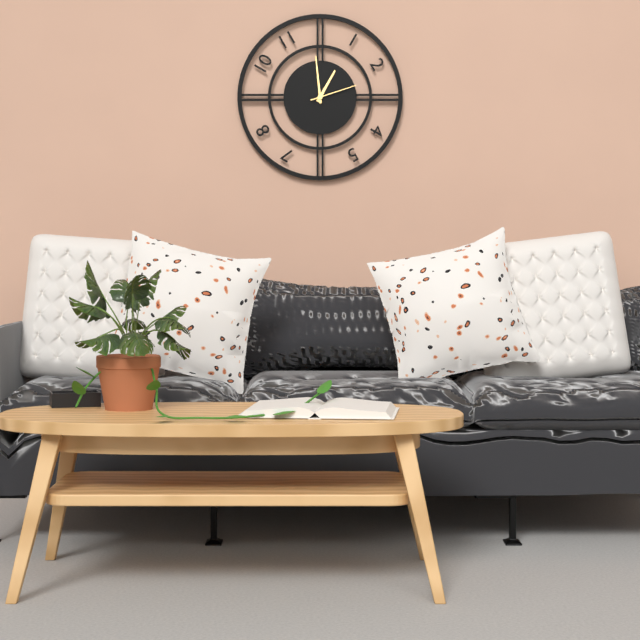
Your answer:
{"hour": 12, "minute": 59}
